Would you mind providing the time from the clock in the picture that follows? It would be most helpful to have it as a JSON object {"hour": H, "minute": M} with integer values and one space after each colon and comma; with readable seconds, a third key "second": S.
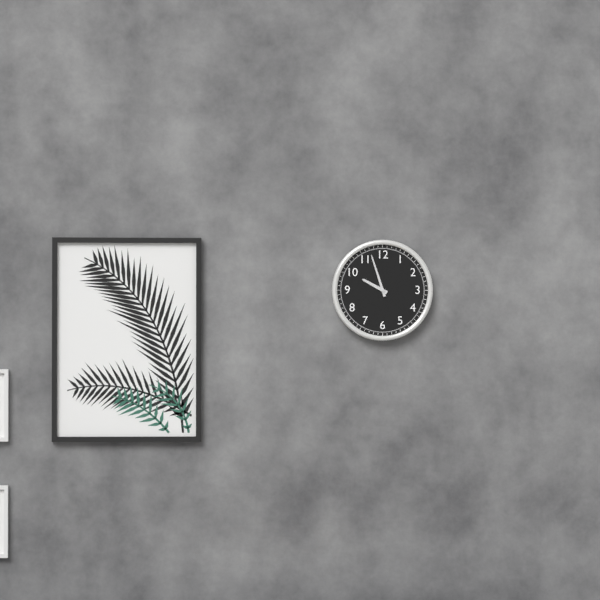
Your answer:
{"hour": 9, "minute": 57}
